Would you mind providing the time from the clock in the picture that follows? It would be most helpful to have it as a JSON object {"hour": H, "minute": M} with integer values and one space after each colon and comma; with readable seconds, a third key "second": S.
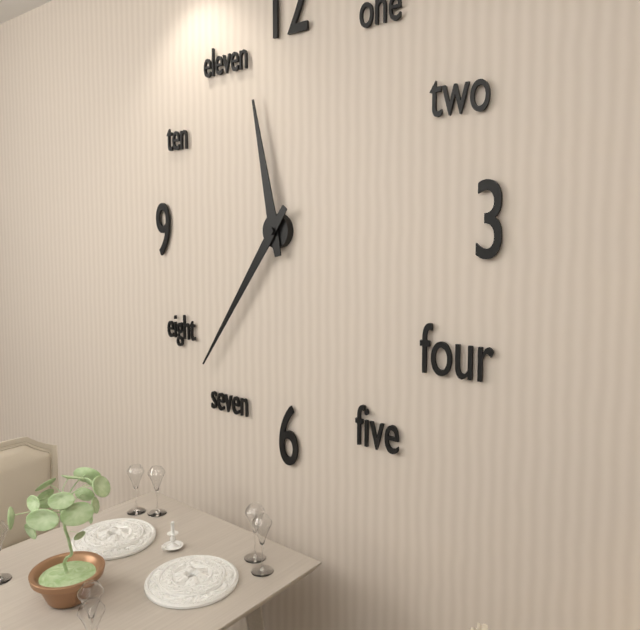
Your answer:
{"hour": 11, "minute": 36}
